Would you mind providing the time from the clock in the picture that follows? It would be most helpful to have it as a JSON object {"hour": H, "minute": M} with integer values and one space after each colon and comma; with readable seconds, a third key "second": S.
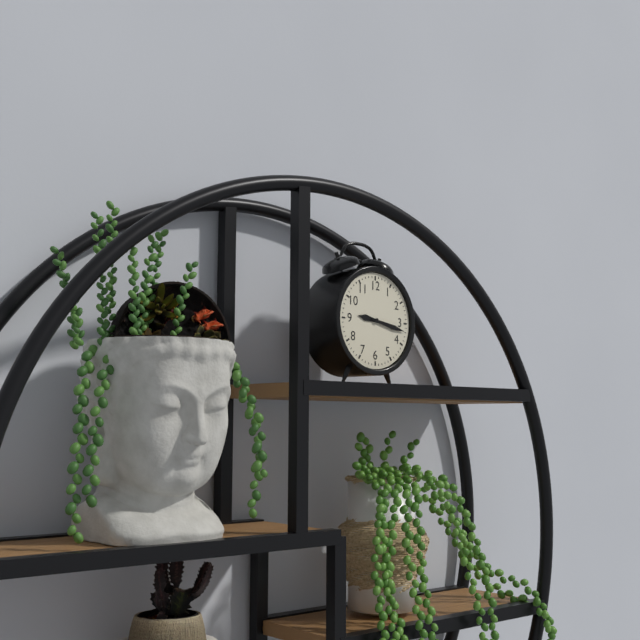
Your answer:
{"hour": 9, "minute": 17}
